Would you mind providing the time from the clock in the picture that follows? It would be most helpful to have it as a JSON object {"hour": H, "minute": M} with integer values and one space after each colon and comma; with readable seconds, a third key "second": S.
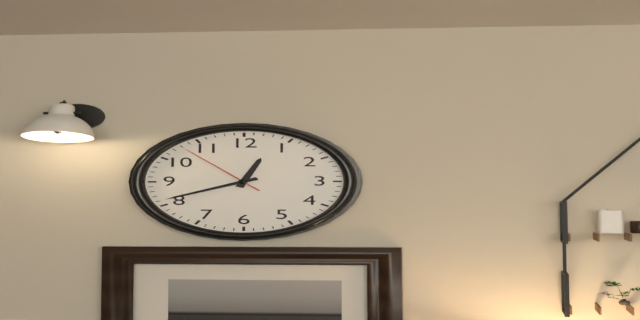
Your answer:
{"hour": 12, "minute": 41, "second": 53}
